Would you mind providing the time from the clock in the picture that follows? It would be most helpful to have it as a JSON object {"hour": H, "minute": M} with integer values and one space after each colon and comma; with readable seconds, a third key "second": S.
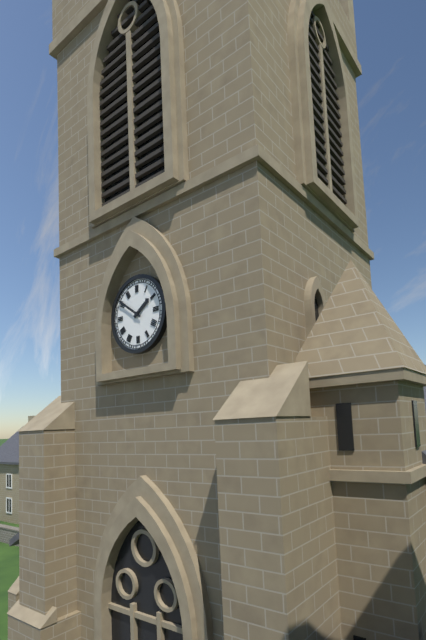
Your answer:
{"hour": 1, "minute": 51}
